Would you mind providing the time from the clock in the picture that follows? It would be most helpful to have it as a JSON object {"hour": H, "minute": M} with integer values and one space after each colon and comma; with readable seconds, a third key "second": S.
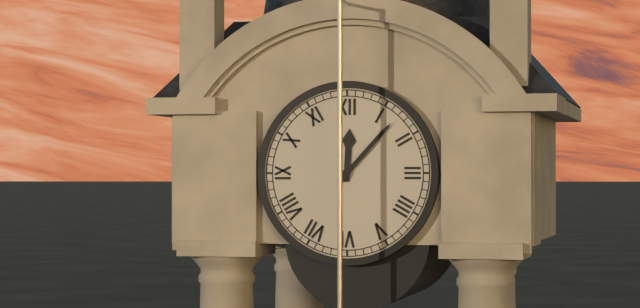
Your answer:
{"hour": 12, "minute": 7}
